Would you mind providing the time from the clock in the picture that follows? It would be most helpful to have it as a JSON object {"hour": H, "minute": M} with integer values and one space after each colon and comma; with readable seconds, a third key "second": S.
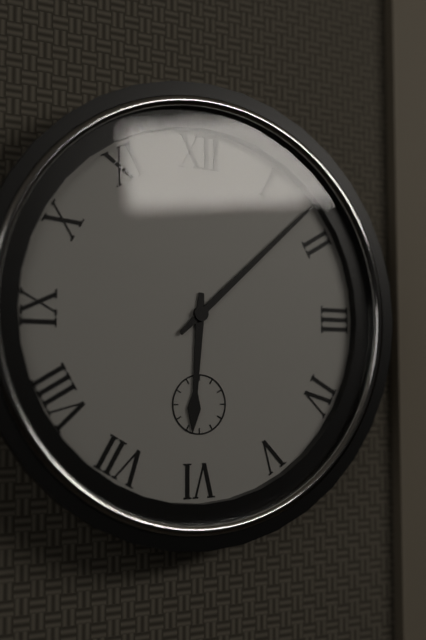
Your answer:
{"hour": 6, "minute": 8}
